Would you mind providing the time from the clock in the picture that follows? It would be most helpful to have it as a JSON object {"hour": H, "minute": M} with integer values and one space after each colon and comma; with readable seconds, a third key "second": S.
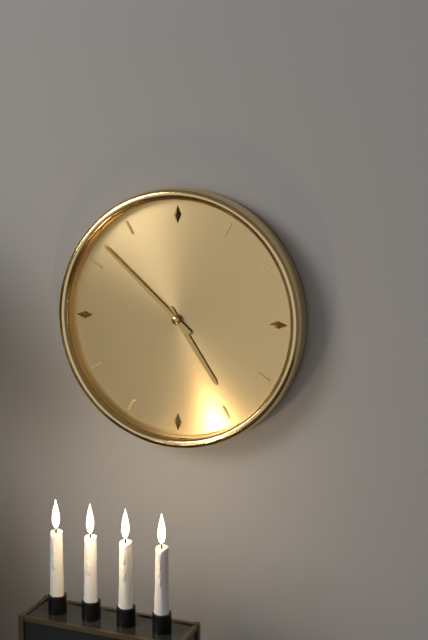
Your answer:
{"hour": 4, "minute": 52}
